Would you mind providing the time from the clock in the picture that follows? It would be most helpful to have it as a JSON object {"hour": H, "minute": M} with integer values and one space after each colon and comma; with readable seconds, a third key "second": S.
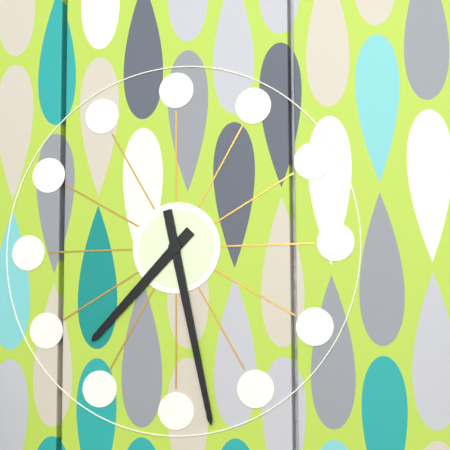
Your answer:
{"hour": 7, "minute": 28}
